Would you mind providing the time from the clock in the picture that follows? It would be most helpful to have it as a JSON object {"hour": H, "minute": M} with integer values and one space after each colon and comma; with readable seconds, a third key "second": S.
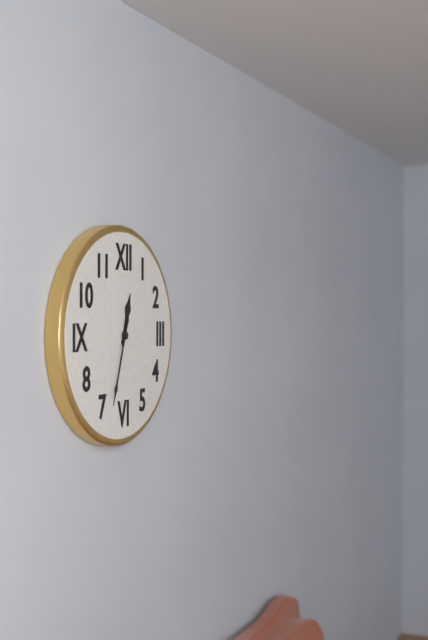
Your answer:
{"hour": 12, "minute": 33}
